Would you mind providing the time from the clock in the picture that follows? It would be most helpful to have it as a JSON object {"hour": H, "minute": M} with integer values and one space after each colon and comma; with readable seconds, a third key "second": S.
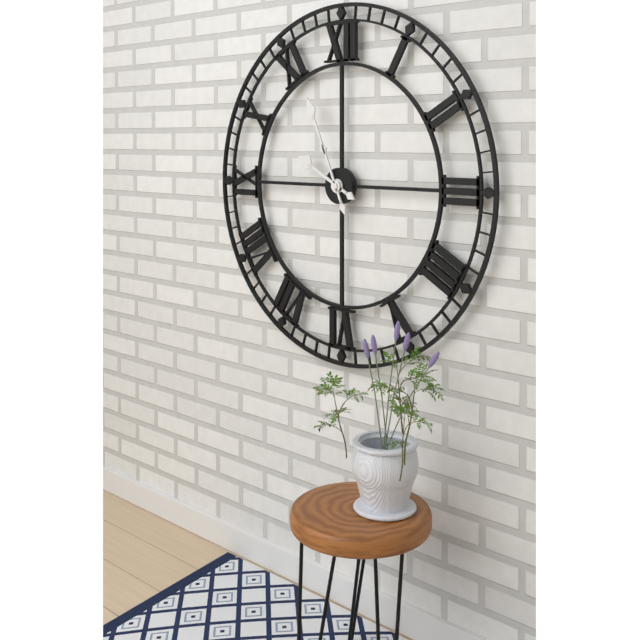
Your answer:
{"hour": 9, "minute": 56}
